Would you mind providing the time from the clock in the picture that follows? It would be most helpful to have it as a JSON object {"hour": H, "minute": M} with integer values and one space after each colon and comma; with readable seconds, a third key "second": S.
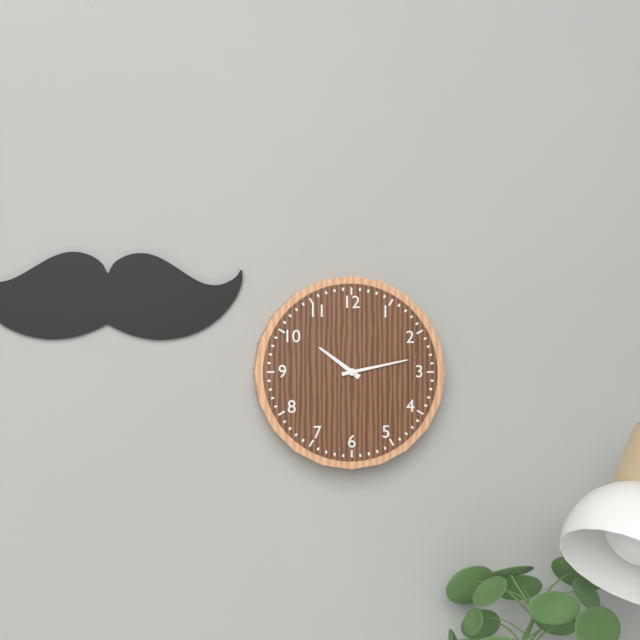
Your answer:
{"hour": 10, "minute": 13}
